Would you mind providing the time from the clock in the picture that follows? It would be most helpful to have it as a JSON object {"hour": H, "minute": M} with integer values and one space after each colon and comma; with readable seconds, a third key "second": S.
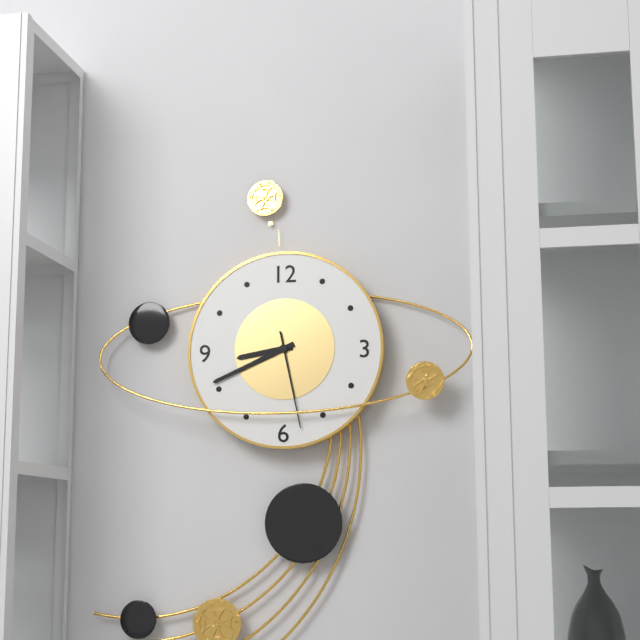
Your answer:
{"hour": 8, "minute": 41, "second": 28}
